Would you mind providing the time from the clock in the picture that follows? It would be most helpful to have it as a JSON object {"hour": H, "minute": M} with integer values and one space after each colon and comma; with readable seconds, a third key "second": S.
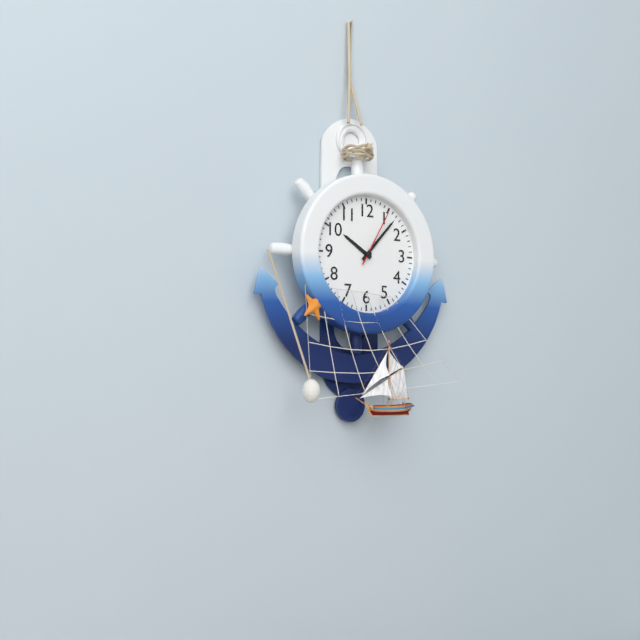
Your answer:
{"hour": 10, "minute": 7, "second": 5}
